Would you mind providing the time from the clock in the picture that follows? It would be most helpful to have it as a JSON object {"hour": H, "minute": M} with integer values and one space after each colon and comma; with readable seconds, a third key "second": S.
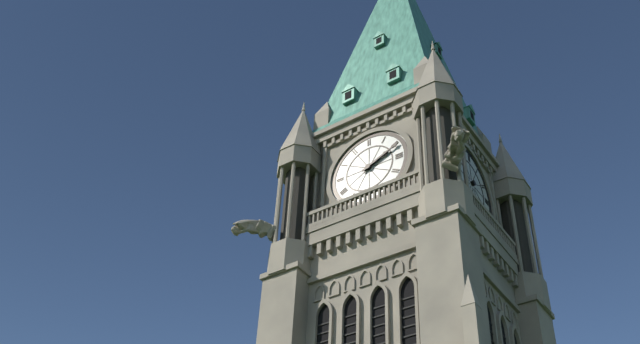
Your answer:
{"hour": 2, "minute": 11}
